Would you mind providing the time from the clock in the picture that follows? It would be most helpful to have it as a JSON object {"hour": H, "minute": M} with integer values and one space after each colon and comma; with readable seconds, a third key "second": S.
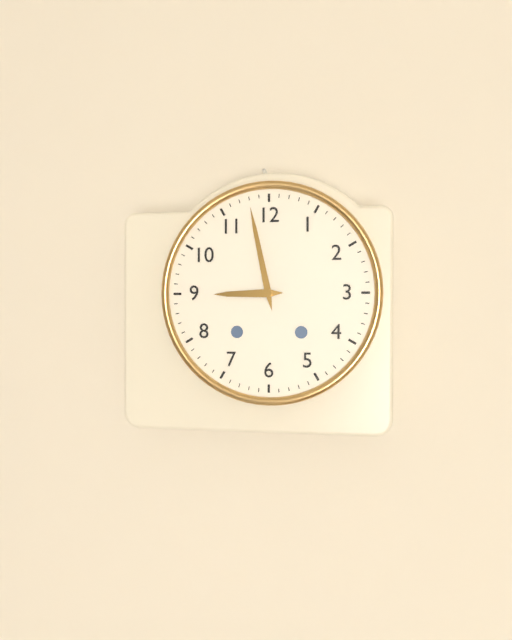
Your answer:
{"hour": 8, "minute": 58}
